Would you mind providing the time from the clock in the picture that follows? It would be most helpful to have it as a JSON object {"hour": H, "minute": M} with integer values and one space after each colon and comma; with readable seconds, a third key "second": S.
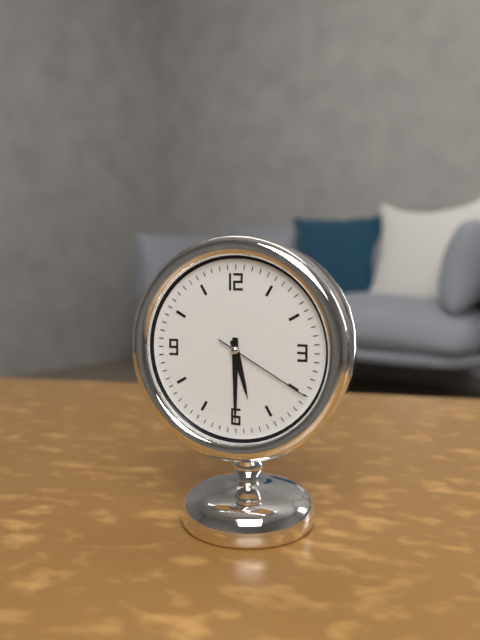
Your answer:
{"hour": 5, "minute": 30, "second": 20}
